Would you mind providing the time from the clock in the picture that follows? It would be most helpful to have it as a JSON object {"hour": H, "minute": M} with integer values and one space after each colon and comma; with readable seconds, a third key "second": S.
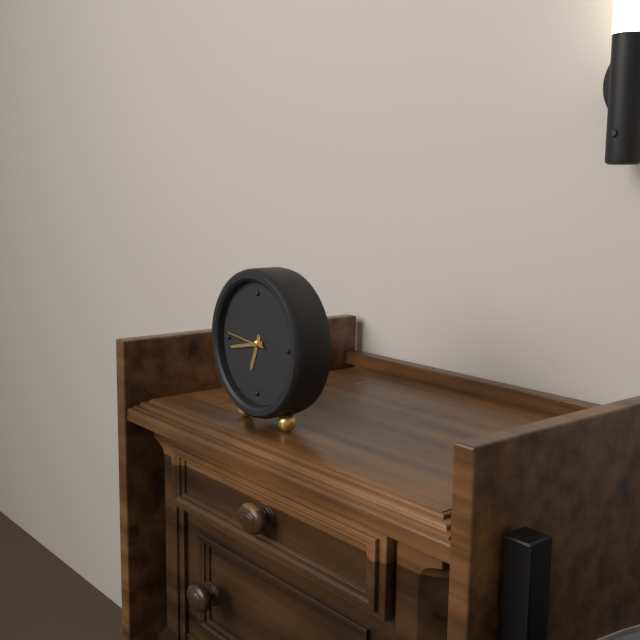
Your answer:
{"hour": 6, "minute": 43}
